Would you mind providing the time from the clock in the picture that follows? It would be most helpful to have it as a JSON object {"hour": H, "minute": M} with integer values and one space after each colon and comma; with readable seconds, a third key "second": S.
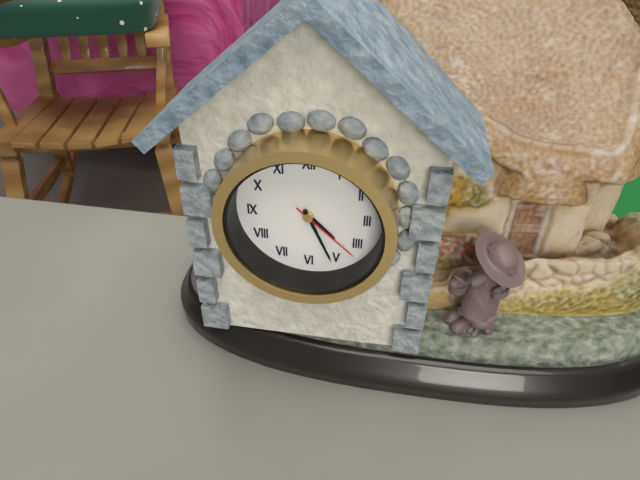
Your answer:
{"hour": 4, "minute": 26, "second": 22}
